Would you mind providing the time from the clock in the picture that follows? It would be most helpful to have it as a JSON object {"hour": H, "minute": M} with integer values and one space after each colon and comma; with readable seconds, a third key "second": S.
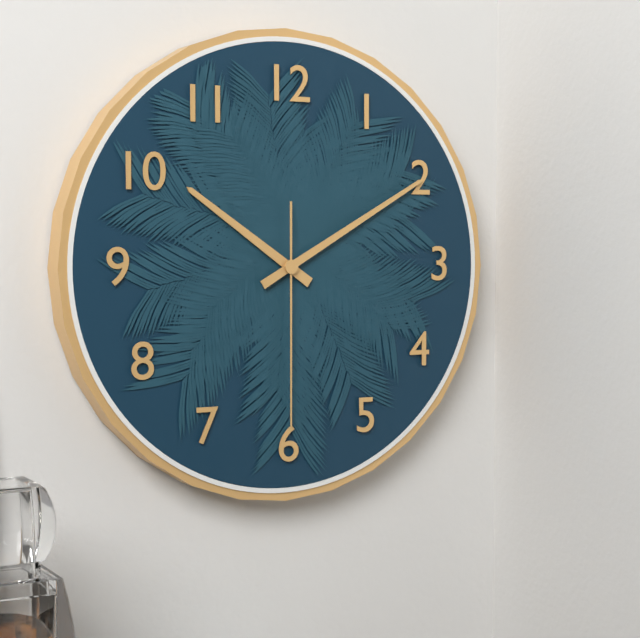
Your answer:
{"hour": 10, "minute": 10, "second": 30}
